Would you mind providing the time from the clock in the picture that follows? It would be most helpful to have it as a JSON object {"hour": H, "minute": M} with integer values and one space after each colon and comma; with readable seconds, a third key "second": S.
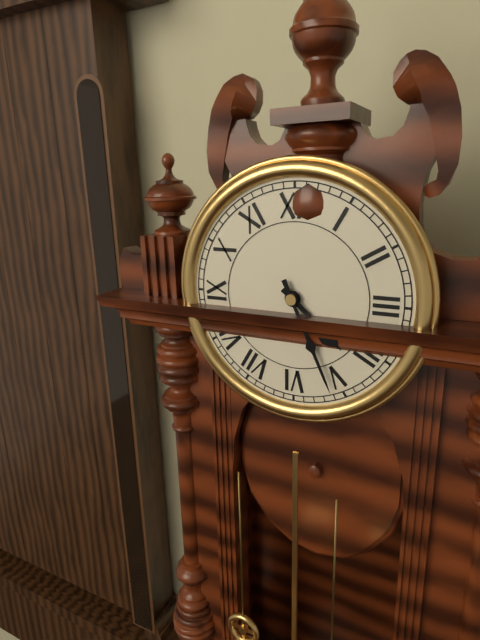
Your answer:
{"hour": 4, "minute": 26}
